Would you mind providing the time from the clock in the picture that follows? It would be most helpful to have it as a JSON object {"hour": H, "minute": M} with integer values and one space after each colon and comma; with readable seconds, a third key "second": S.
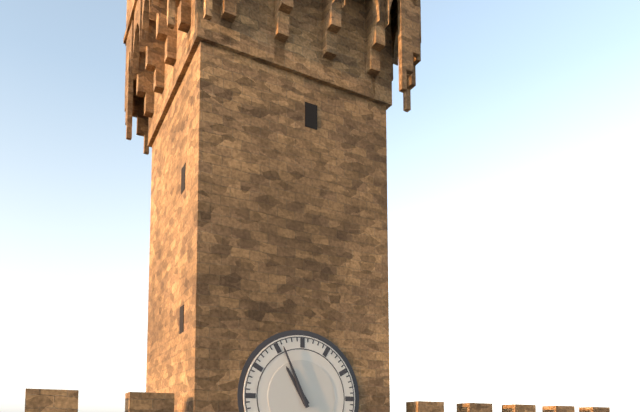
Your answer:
{"hour": 10, "minute": 56}
